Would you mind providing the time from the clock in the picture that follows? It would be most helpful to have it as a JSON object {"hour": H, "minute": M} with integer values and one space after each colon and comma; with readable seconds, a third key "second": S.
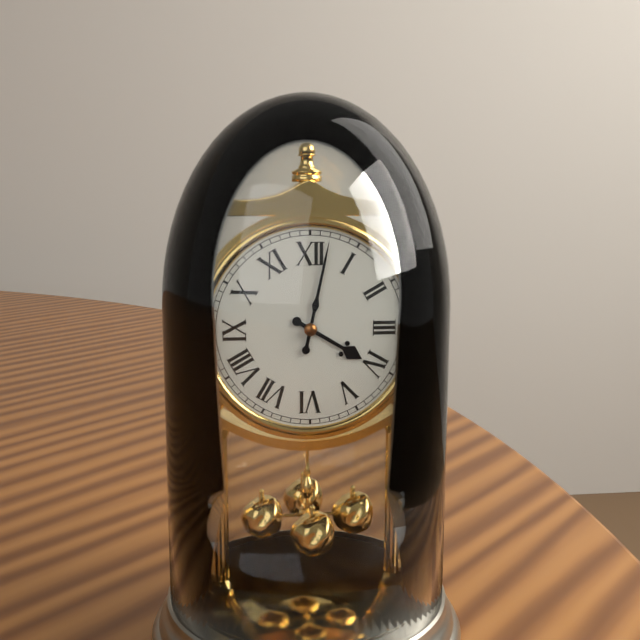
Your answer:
{"hour": 4, "minute": 2}
